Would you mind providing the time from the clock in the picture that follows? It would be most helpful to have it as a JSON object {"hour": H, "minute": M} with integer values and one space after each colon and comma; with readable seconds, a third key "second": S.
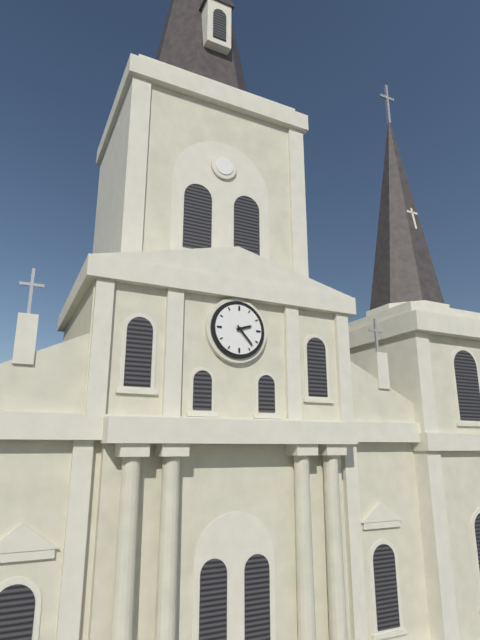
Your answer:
{"hour": 2, "minute": 23}
